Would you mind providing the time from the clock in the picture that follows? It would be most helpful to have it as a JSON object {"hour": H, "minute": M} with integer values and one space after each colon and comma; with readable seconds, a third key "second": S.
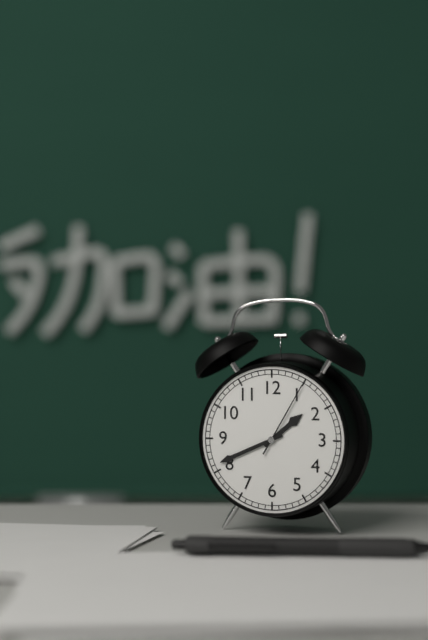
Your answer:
{"hour": 1, "minute": 41, "second": 5}
